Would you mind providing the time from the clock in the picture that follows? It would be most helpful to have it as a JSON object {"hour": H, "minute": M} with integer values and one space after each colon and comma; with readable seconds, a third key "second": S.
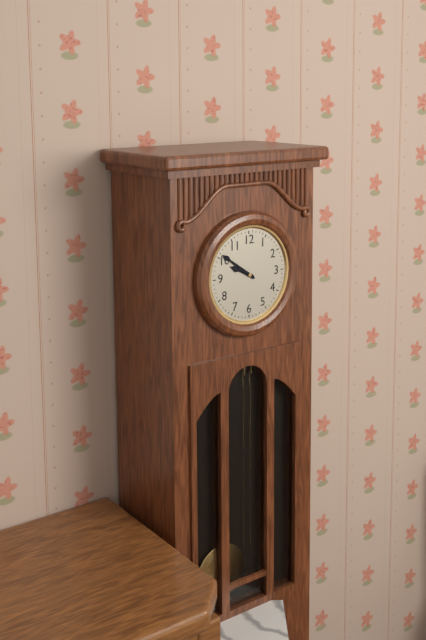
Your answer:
{"hour": 9, "minute": 51}
